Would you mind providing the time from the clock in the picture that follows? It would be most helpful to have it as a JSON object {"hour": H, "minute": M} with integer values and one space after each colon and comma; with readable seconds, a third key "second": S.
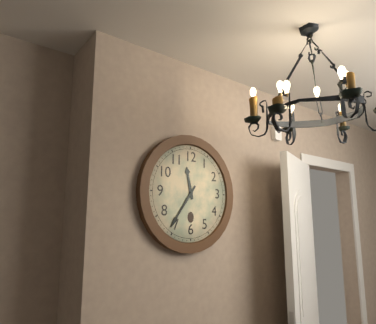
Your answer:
{"hour": 11, "minute": 36}
